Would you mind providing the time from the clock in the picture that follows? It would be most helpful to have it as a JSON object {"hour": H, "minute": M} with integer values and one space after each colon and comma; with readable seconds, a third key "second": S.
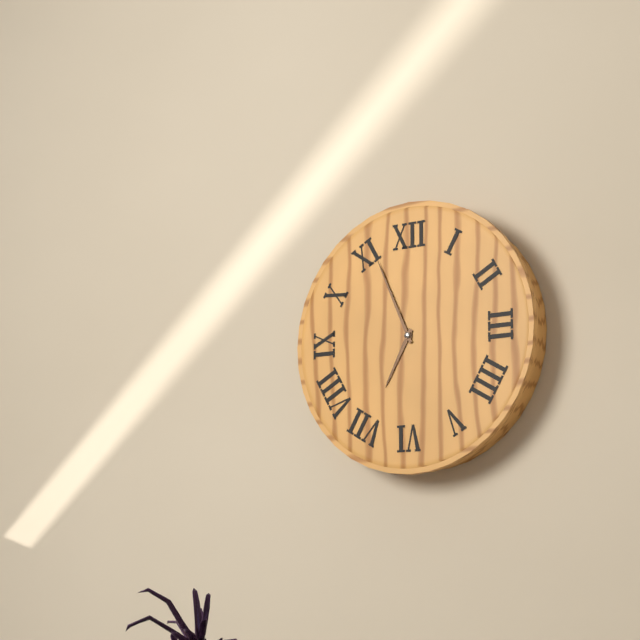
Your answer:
{"hour": 6, "minute": 56}
